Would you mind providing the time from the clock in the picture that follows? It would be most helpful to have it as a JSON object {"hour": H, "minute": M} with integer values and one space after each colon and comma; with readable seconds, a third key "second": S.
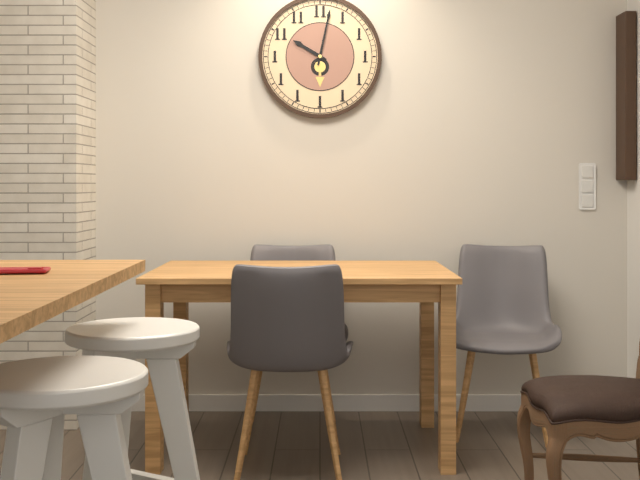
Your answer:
{"hour": 10, "minute": 2}
